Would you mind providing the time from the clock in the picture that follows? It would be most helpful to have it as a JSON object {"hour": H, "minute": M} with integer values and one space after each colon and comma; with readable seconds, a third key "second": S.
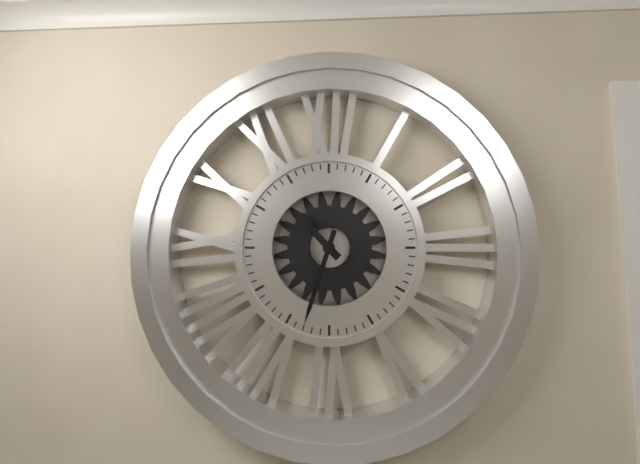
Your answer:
{"hour": 10, "minute": 33}
